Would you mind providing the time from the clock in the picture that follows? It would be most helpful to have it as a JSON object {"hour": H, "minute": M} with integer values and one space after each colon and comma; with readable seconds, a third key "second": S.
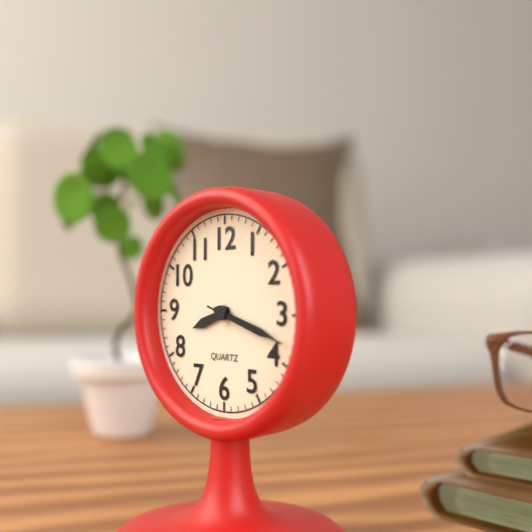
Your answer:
{"hour": 8, "minute": 18, "second": 18}
